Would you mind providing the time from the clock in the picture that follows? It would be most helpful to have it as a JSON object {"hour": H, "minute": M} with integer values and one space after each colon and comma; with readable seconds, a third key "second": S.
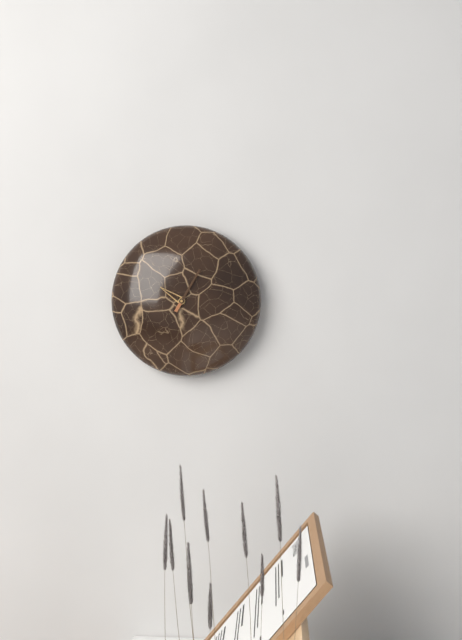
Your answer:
{"hour": 10, "minute": 5}
